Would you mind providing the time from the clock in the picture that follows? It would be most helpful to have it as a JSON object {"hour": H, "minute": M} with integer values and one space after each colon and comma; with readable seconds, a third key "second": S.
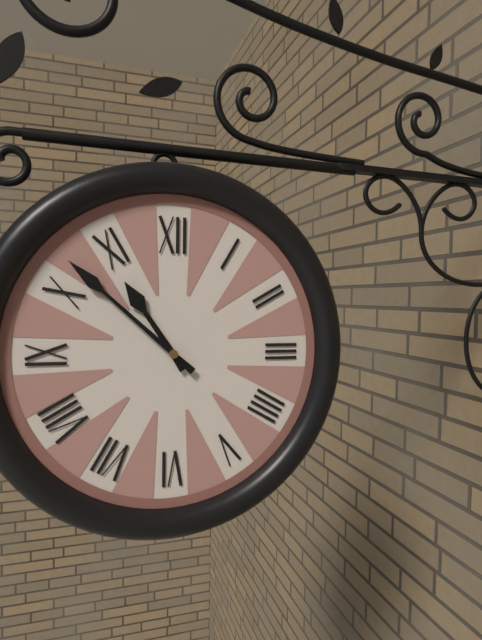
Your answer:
{"hour": 10, "minute": 52}
